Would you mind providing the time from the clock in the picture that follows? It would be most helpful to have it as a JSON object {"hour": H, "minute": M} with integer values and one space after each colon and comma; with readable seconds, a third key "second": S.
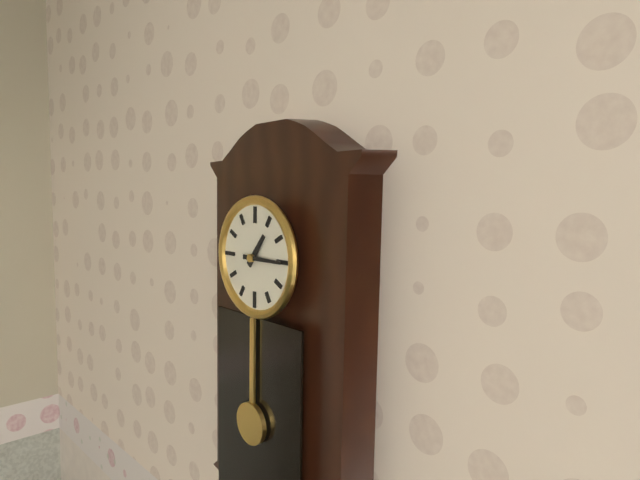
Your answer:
{"hour": 1, "minute": 15}
